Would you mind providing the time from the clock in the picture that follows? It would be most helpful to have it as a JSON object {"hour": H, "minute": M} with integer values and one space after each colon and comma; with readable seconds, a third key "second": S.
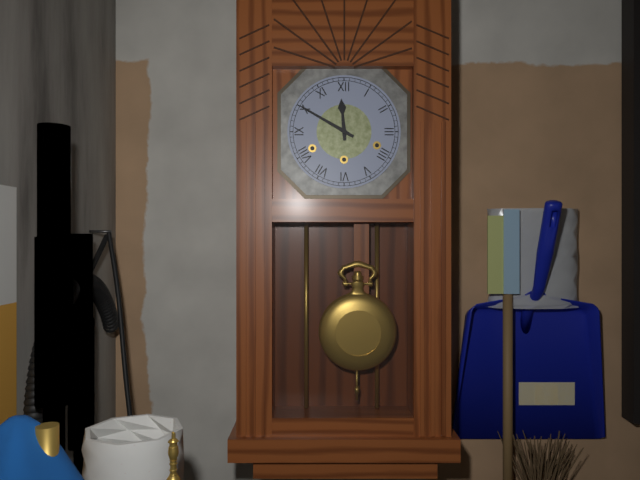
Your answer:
{"hour": 11, "minute": 50}
